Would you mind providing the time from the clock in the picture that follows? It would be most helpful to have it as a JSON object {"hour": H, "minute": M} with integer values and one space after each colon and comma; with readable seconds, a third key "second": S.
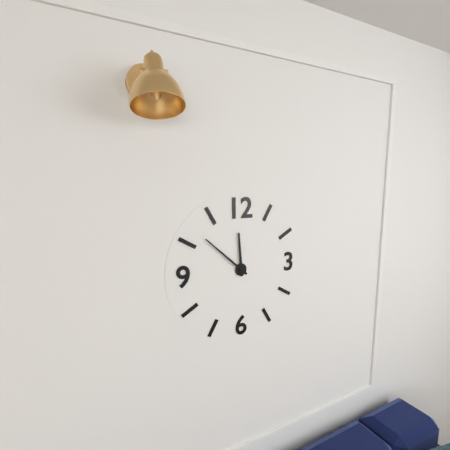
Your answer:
{"hour": 11, "minute": 52}
